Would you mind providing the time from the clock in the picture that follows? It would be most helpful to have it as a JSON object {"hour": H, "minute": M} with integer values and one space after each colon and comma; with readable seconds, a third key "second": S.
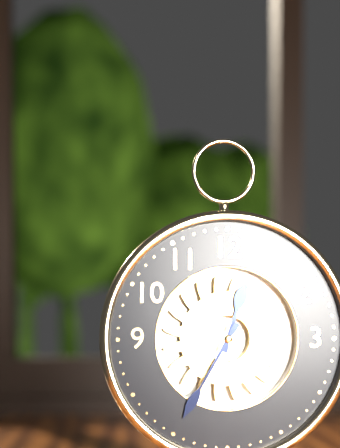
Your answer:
{"hour": 12, "minute": 35}
